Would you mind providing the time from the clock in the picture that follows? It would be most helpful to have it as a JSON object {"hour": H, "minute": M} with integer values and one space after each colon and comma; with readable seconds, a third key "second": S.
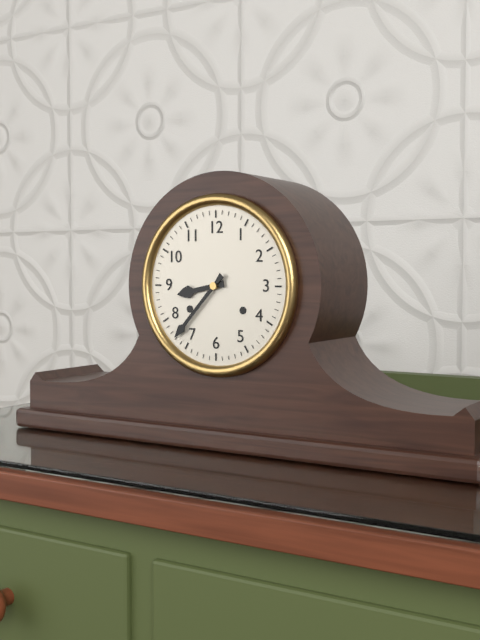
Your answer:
{"hour": 8, "minute": 37}
